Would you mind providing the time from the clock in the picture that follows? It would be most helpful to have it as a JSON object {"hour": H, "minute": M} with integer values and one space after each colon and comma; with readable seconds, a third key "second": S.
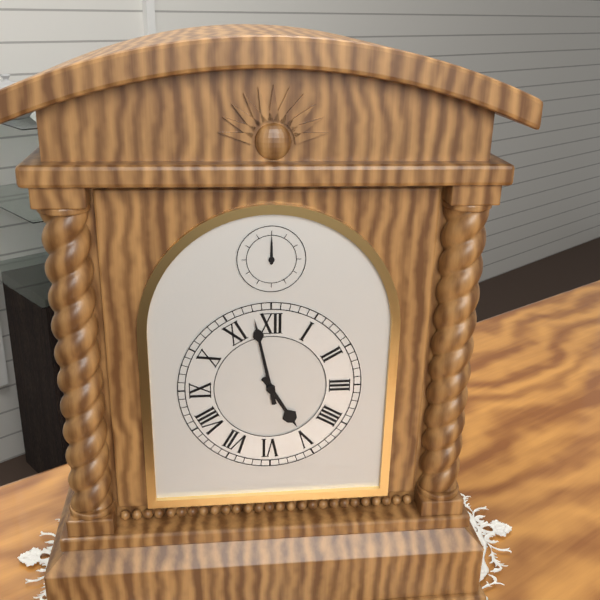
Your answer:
{"hour": 4, "minute": 58}
